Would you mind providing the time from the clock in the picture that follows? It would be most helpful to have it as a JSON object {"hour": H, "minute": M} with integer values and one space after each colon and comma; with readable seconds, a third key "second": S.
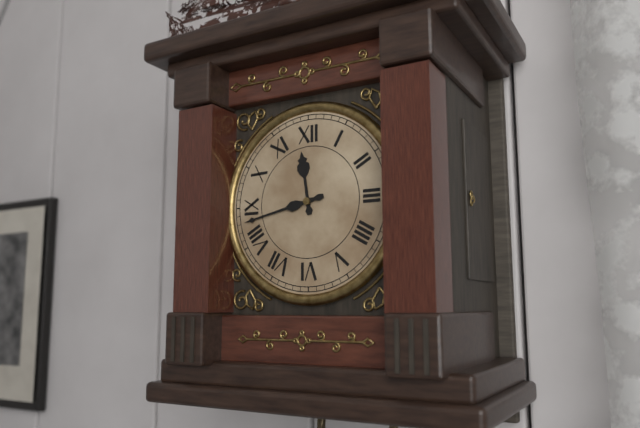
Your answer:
{"hour": 11, "minute": 43}
